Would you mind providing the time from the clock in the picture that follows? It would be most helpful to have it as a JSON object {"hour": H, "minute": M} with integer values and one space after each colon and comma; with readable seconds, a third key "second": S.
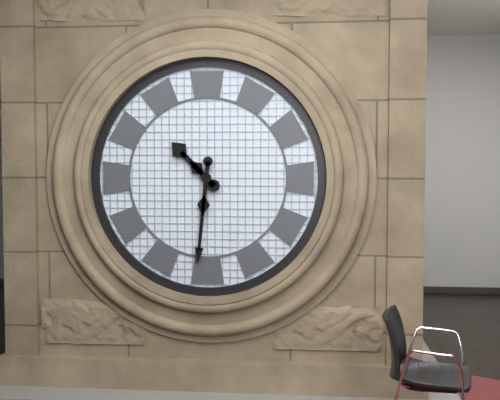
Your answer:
{"hour": 10, "minute": 31}
